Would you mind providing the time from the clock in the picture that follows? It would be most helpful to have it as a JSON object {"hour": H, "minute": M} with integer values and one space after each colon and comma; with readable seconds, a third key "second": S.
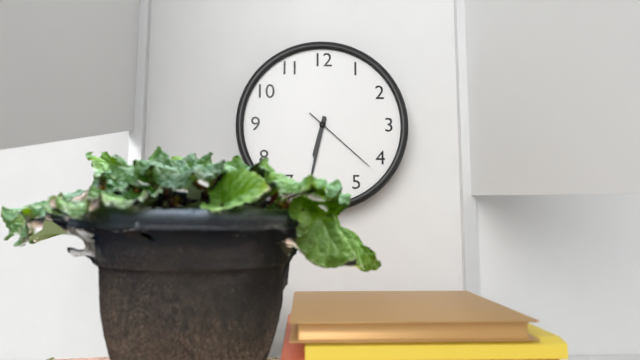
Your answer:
{"hour": 6, "minute": 32, "second": 22}
